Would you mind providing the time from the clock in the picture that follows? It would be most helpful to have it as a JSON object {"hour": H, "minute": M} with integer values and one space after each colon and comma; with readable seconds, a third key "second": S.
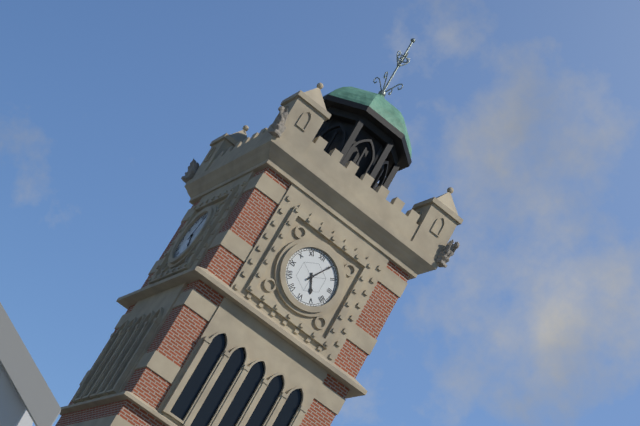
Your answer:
{"hour": 5, "minute": 5}
